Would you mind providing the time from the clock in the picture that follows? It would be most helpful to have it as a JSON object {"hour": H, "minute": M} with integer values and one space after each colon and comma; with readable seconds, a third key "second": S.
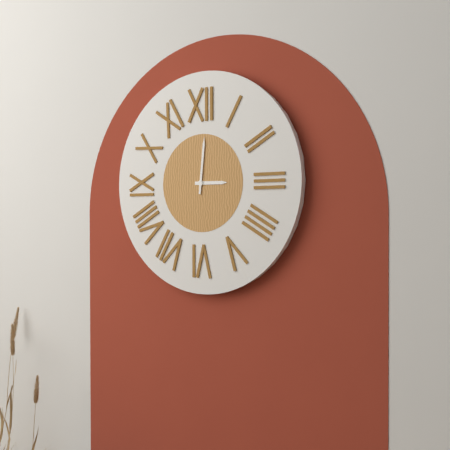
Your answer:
{"hour": 3, "minute": 1}
